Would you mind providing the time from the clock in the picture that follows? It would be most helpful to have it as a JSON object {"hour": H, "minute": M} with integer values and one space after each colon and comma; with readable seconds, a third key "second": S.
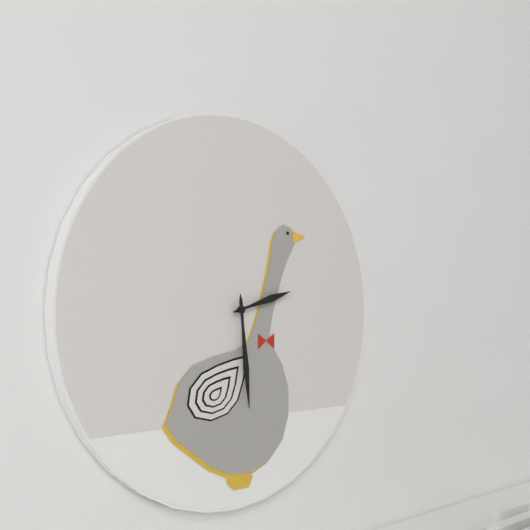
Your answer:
{"hour": 2, "minute": 29}
